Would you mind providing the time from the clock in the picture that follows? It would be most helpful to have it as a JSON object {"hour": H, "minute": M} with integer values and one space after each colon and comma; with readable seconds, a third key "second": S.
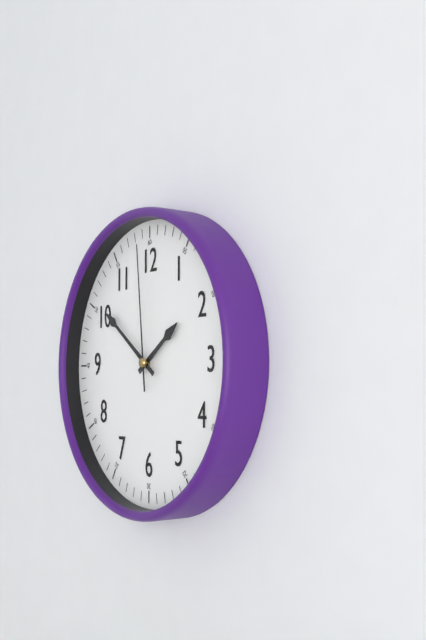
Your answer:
{"hour": 1, "minute": 51, "second": 59}
